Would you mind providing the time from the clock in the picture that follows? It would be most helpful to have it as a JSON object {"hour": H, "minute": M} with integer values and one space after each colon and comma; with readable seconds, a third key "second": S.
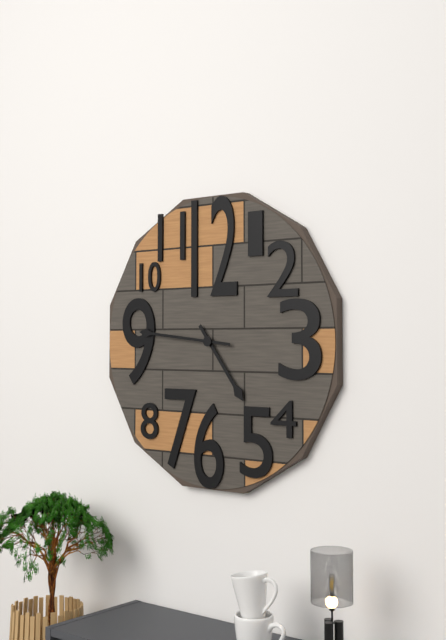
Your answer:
{"hour": 4, "minute": 46}
